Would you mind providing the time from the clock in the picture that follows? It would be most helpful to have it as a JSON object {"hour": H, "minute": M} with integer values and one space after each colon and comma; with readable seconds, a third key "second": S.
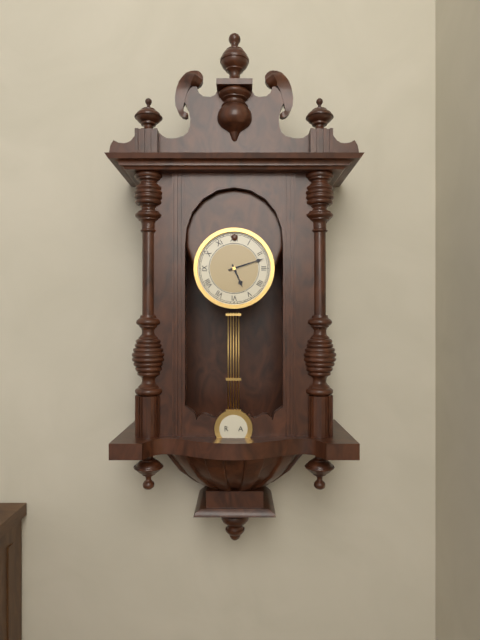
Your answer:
{"hour": 5, "minute": 12}
